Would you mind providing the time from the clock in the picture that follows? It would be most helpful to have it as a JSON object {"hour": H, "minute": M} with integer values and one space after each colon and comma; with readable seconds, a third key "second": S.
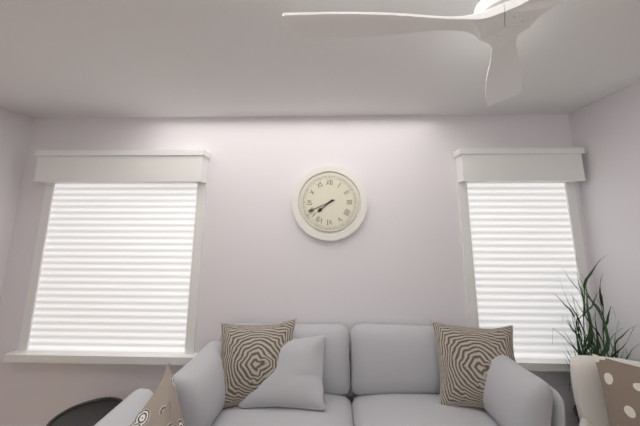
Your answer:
{"hour": 7, "minute": 41}
